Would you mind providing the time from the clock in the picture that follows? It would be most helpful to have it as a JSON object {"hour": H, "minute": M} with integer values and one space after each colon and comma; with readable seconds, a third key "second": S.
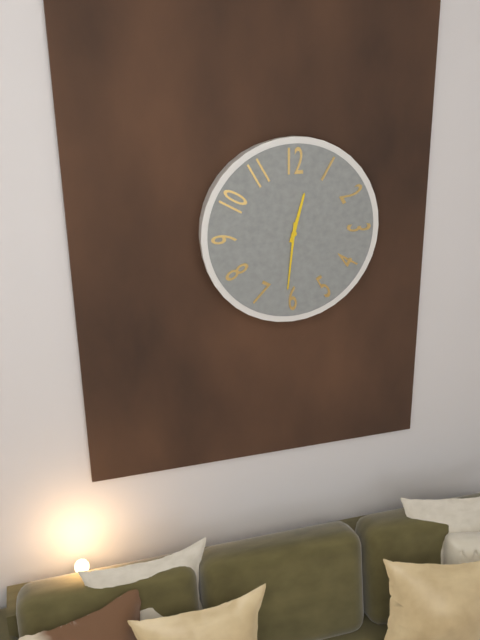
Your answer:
{"hour": 12, "minute": 31}
